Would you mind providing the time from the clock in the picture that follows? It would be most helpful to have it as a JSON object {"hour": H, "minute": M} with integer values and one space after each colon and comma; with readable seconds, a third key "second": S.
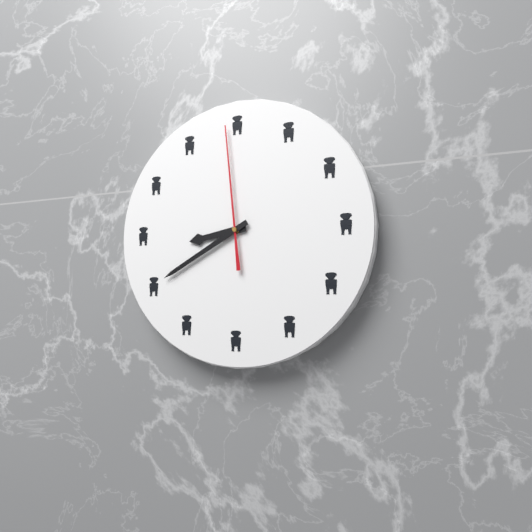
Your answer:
{"hour": 8, "minute": 40, "second": 59}
